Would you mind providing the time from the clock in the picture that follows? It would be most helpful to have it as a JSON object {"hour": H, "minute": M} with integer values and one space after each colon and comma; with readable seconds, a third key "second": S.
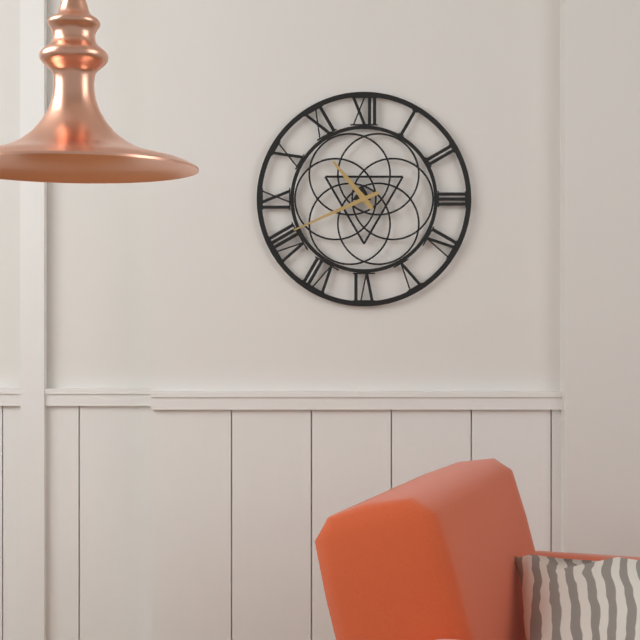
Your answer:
{"hour": 10, "minute": 41}
